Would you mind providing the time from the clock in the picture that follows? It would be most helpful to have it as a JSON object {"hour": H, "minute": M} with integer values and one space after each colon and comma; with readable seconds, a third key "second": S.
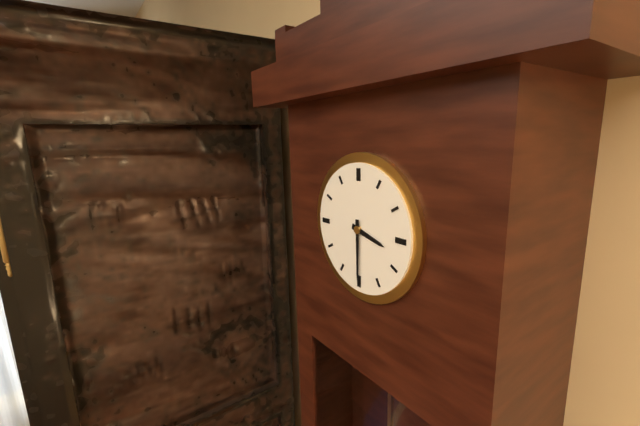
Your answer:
{"hour": 3, "minute": 30}
